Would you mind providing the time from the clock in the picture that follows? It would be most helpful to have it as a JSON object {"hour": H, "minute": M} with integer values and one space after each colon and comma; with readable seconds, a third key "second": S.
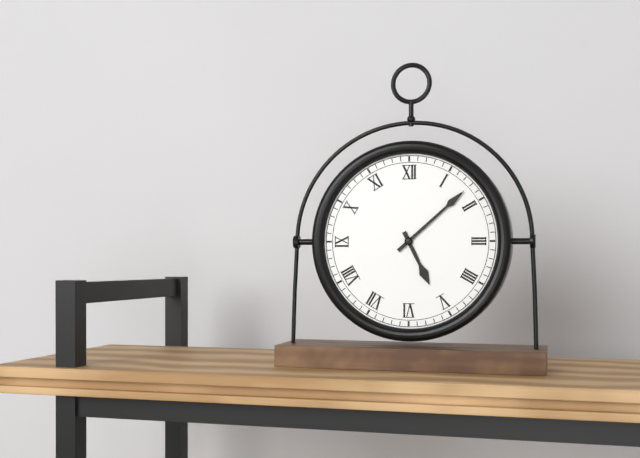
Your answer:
{"hour": 5, "minute": 8}
